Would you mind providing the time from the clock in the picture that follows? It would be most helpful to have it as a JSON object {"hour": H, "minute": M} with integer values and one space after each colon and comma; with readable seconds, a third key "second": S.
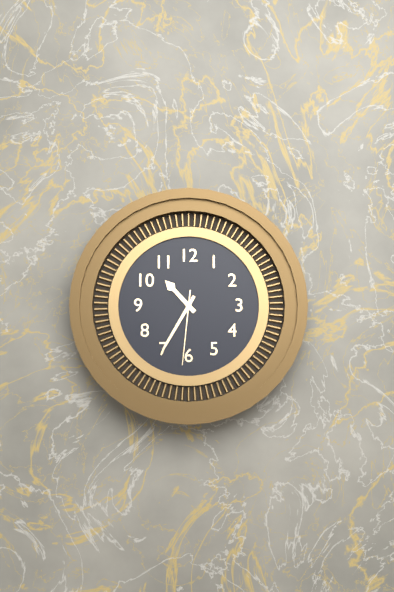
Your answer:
{"hour": 10, "minute": 35, "second": 31}
